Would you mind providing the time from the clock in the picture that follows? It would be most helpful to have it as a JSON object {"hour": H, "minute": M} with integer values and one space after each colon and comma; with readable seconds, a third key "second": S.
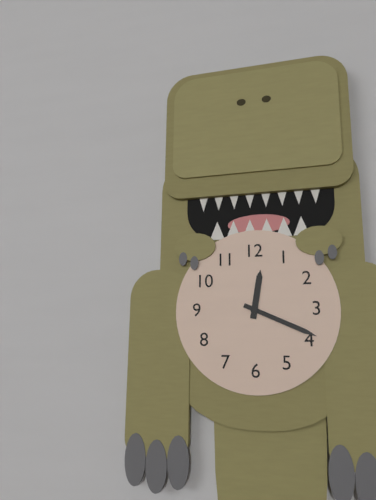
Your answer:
{"hour": 12, "minute": 19}
